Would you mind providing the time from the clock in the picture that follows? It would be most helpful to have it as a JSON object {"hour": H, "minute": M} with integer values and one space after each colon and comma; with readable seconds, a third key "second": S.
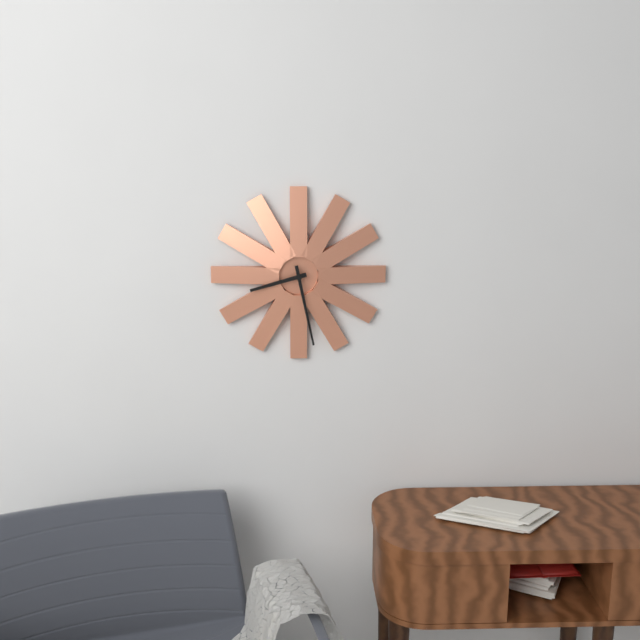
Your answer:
{"hour": 8, "minute": 28}
